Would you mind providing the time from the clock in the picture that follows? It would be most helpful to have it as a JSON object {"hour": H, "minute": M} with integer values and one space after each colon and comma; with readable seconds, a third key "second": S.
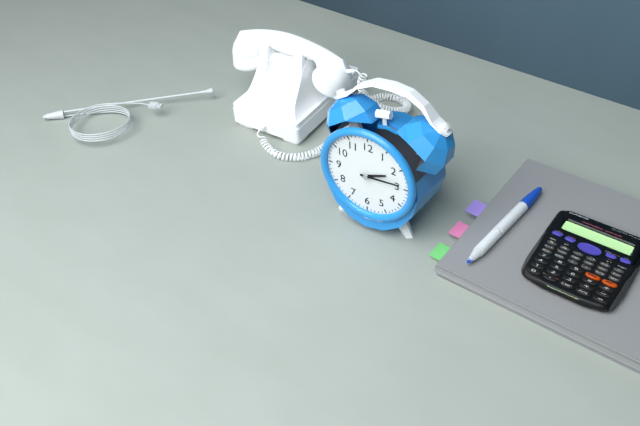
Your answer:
{"hour": 2, "minute": 14}
